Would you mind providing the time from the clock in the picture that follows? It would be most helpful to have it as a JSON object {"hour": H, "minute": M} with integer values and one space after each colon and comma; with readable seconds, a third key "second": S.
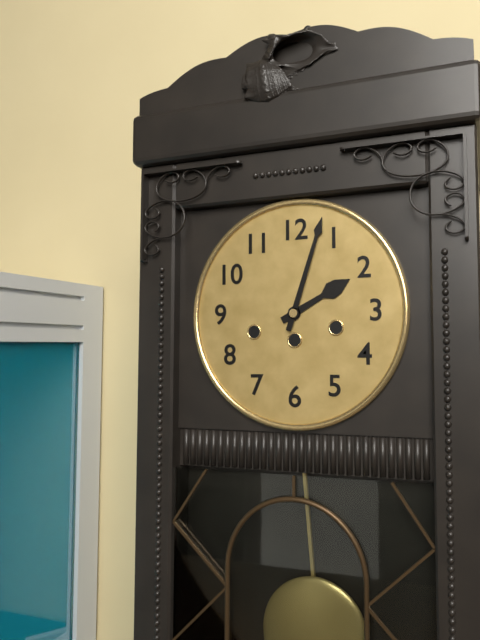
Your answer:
{"hour": 2, "minute": 3}
